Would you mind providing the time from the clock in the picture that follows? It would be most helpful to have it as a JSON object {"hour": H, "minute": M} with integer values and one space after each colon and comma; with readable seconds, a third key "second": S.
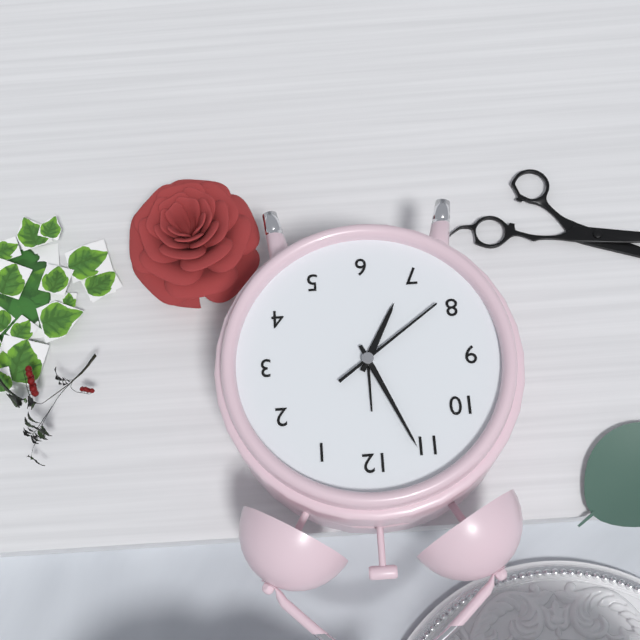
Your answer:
{"hour": 6, "minute": 56, "second": 39}
